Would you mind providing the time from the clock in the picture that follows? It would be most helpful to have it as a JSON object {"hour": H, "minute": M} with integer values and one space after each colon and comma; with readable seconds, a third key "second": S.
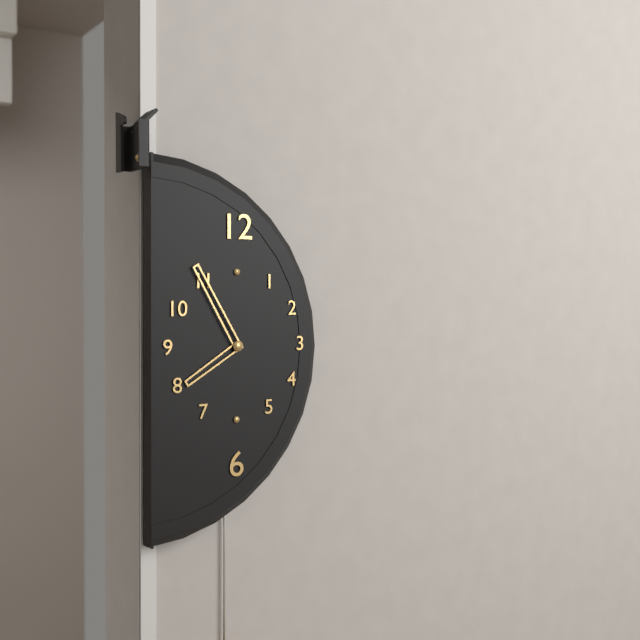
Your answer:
{"hour": 7, "minute": 55}
